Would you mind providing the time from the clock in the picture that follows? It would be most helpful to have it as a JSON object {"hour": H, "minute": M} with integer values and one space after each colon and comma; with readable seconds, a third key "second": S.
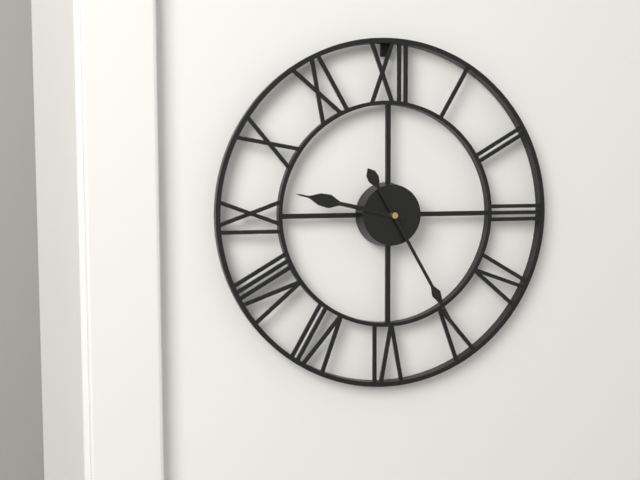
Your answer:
{"hour": 9, "minute": 25}
